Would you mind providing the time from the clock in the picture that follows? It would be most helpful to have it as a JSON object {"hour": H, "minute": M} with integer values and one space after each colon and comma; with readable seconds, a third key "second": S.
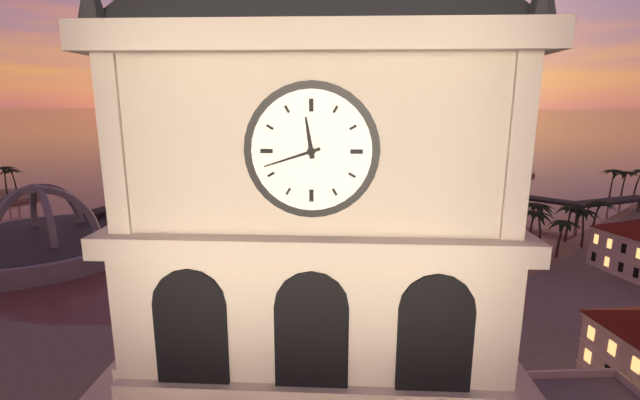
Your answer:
{"hour": 11, "minute": 42}
